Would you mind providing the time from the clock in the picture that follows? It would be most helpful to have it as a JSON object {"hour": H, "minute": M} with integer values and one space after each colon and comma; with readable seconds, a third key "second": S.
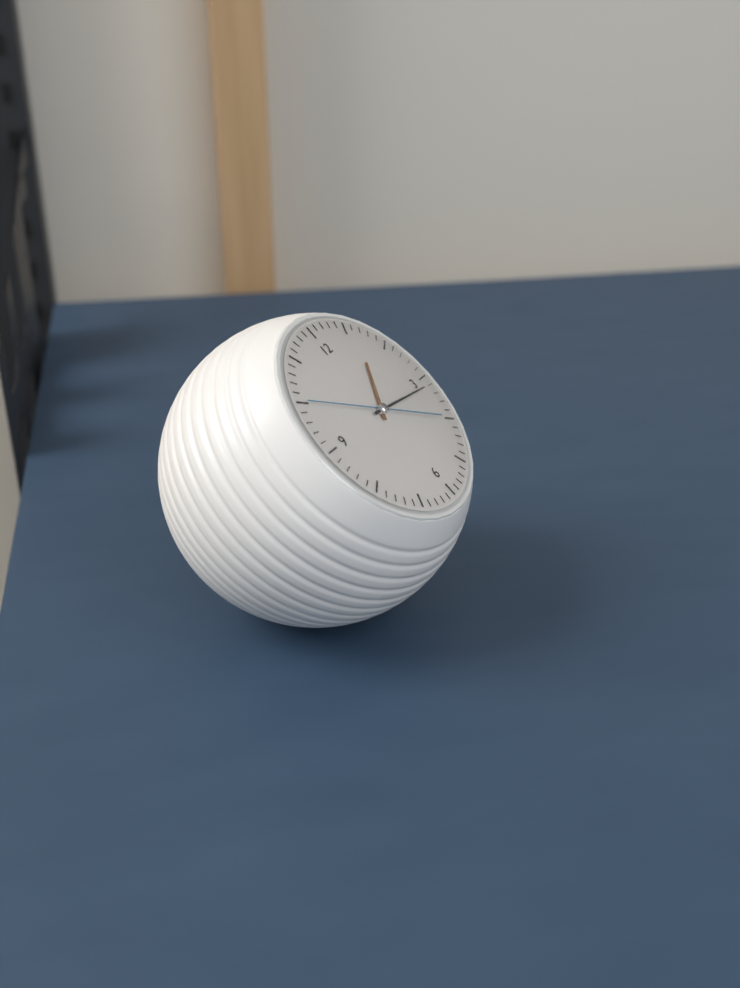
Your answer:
{"hour": 1, "minute": 16, "second": 50}
